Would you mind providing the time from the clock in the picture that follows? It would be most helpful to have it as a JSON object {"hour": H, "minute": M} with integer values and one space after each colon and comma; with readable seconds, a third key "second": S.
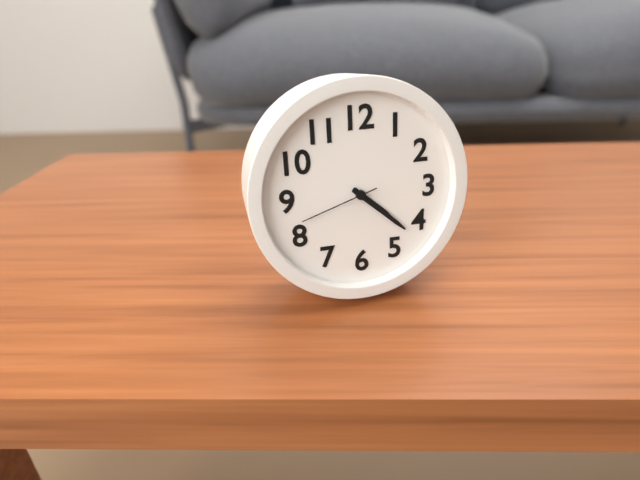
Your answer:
{"hour": 4, "minute": 22, "second": 42}
